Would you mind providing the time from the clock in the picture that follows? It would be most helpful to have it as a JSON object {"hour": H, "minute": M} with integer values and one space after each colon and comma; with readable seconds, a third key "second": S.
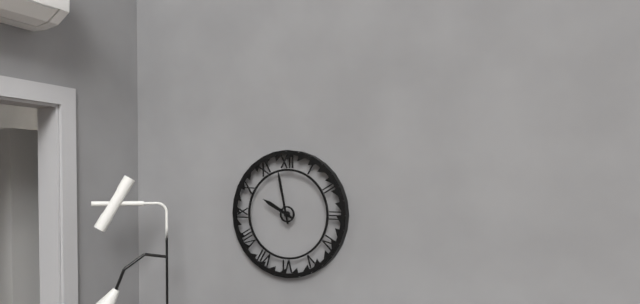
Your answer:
{"hour": 9, "minute": 58}
